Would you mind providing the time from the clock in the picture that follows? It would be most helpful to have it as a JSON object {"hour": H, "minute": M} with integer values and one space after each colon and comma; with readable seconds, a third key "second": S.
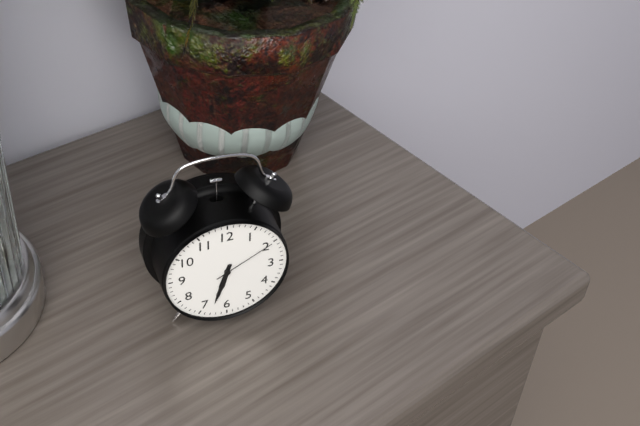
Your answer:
{"hour": 6, "minute": 33, "second": 10}
